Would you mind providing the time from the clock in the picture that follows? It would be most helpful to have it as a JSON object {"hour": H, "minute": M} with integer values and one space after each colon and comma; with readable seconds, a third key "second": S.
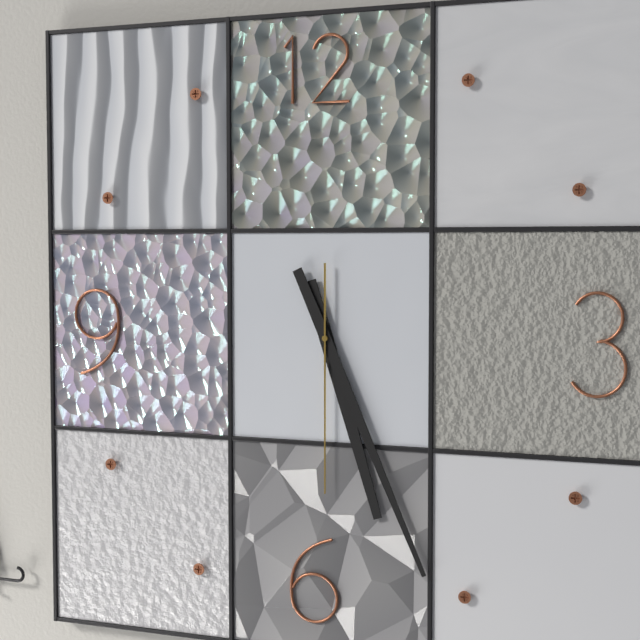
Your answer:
{"hour": 5, "minute": 26, "second": 30}
